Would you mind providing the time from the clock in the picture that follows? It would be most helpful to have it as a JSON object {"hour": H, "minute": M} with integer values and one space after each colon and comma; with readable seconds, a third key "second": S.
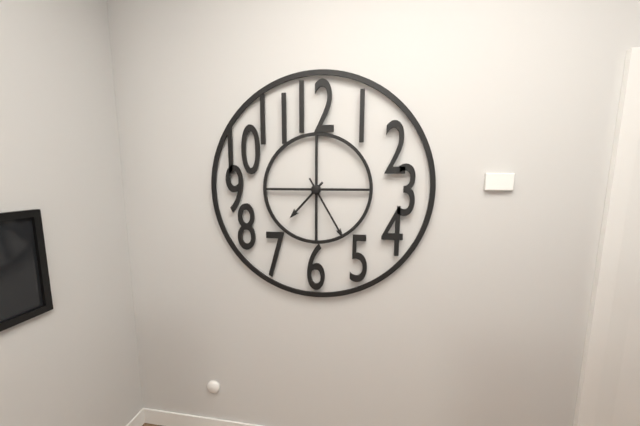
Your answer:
{"hour": 7, "minute": 25}
